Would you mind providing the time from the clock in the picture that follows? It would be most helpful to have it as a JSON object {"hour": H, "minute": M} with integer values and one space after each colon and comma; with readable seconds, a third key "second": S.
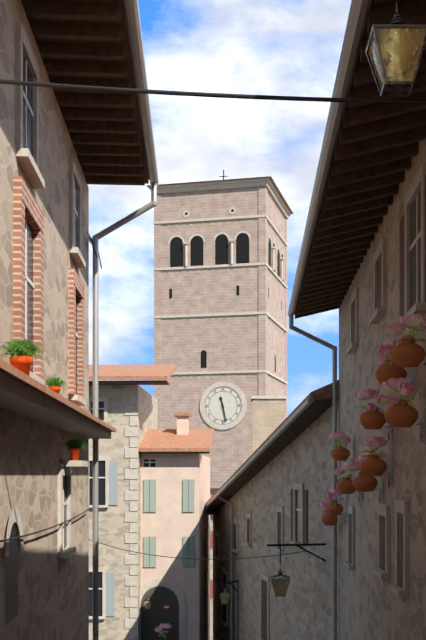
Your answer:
{"hour": 11, "minute": 28}
